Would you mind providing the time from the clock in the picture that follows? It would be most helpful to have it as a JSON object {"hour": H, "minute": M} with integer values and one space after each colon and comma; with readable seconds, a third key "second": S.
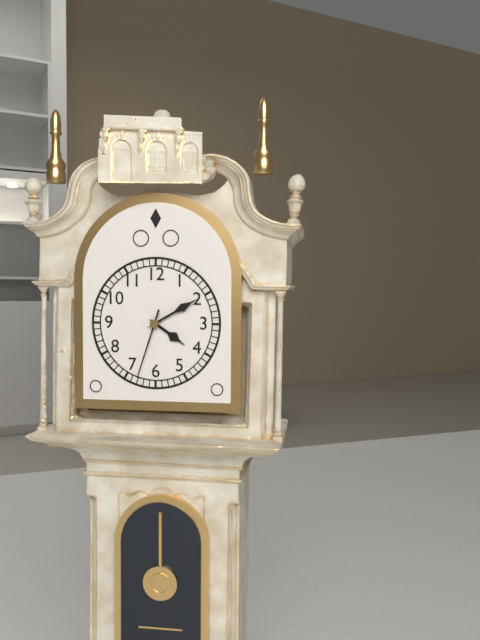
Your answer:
{"hour": 4, "minute": 10, "second": 33}
